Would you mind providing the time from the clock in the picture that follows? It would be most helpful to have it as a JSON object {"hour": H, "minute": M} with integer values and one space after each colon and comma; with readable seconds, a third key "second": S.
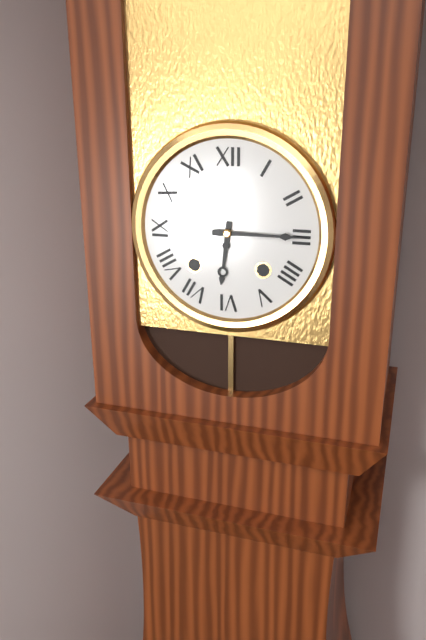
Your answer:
{"hour": 6, "minute": 15}
